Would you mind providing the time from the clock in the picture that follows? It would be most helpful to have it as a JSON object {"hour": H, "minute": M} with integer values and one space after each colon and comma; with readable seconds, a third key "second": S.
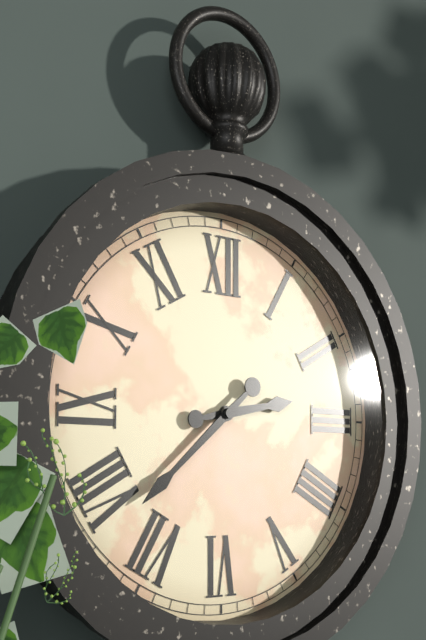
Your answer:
{"hour": 2, "minute": 38}
